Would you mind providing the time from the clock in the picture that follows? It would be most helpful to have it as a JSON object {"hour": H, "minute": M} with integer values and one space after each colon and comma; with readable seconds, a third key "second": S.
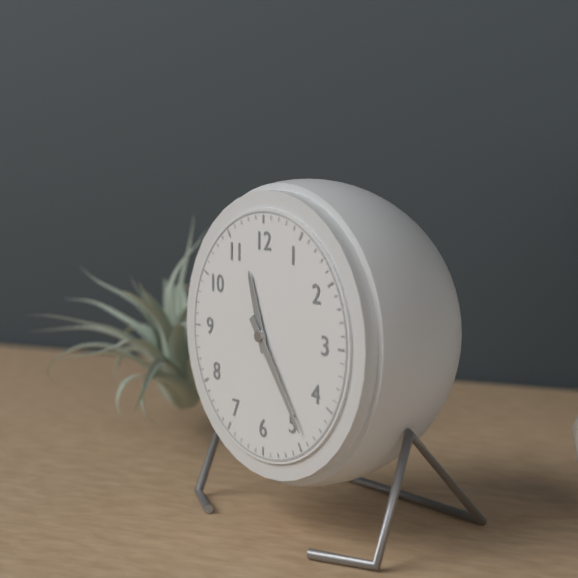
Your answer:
{"hour": 11, "minute": 24}
